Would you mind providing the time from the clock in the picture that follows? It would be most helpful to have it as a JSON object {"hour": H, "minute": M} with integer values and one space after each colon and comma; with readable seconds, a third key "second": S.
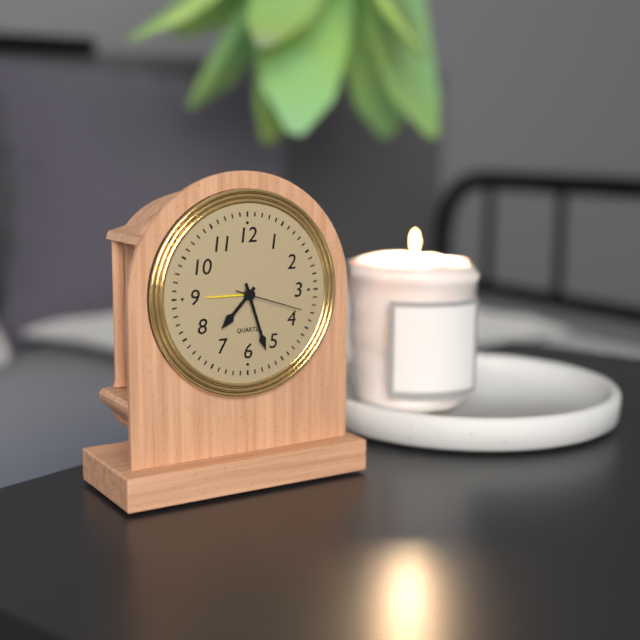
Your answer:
{"hour": 7, "minute": 27, "second": 18}
